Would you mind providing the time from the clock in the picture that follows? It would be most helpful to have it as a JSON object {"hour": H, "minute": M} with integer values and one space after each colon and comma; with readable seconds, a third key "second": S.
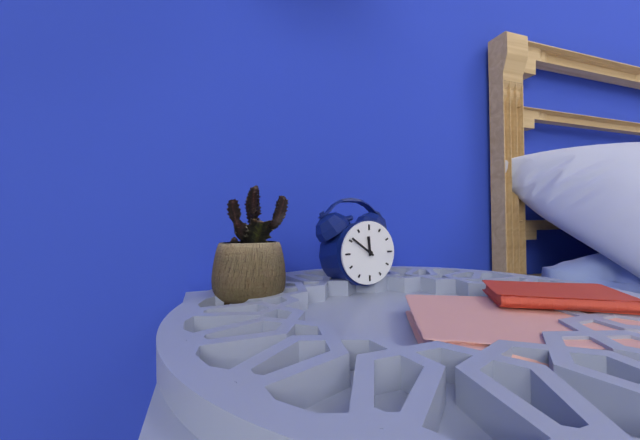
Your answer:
{"hour": 11, "minute": 51}
